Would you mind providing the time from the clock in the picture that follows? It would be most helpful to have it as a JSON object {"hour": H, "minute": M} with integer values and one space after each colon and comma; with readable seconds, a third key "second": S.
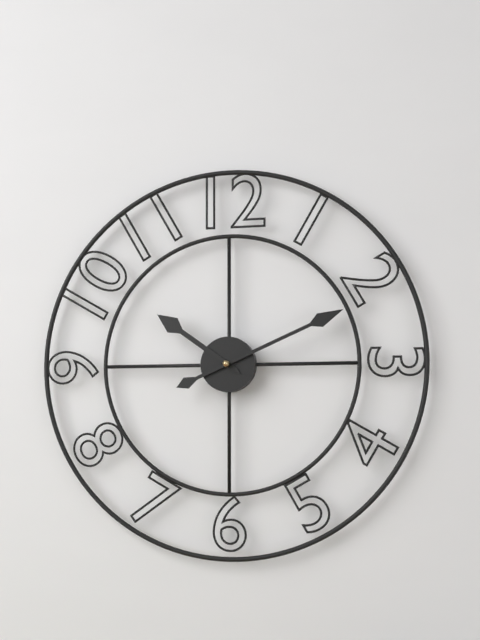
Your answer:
{"hour": 10, "minute": 11}
